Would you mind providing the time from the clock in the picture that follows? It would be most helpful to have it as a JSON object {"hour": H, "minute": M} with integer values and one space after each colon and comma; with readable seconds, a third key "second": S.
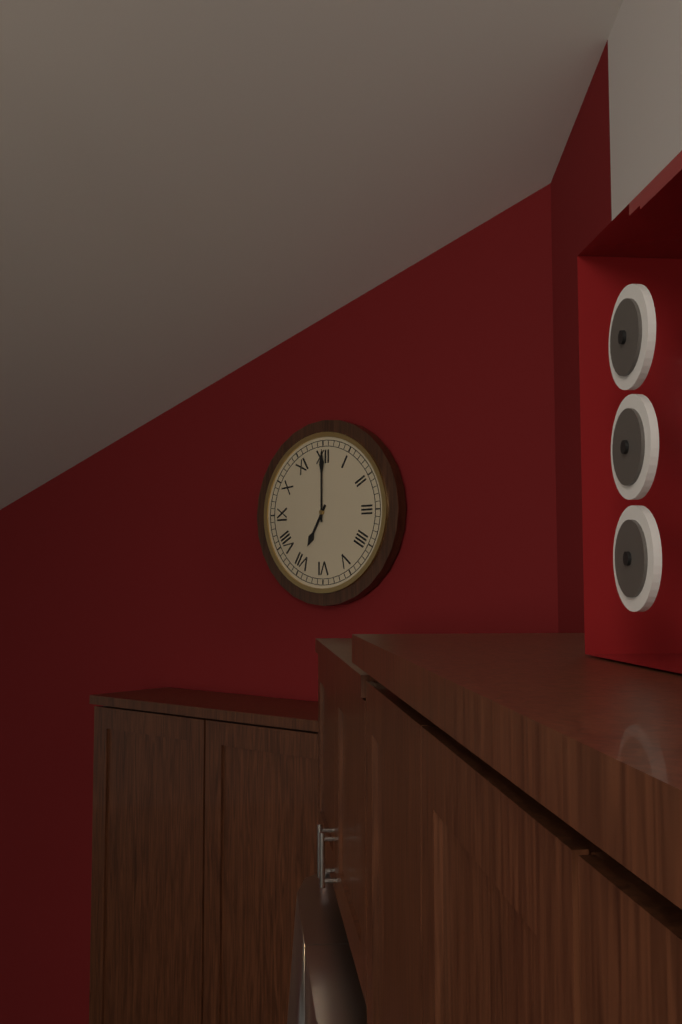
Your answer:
{"hour": 7, "minute": 0}
